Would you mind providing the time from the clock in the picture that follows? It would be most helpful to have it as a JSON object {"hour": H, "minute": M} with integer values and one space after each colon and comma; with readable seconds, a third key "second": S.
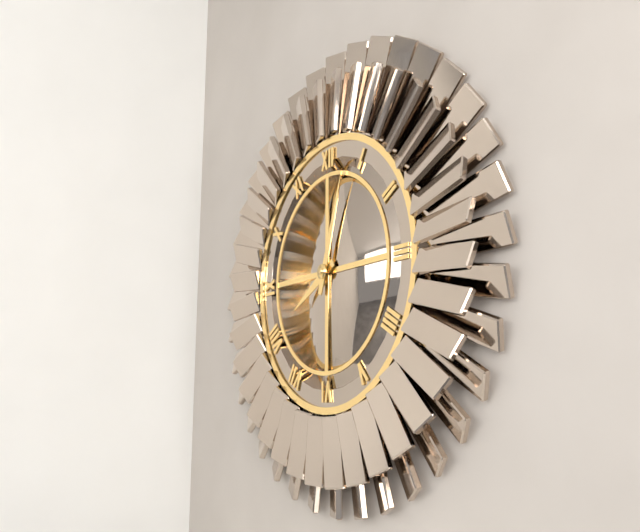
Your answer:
{"hour": 8, "minute": 3}
